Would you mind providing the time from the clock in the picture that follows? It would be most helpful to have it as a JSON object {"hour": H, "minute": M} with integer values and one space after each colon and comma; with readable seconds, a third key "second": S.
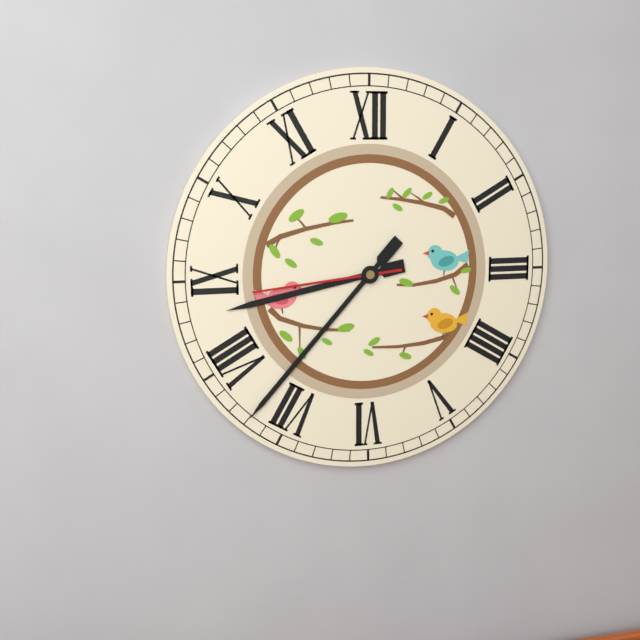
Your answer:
{"hour": 8, "minute": 37, "second": 44}
